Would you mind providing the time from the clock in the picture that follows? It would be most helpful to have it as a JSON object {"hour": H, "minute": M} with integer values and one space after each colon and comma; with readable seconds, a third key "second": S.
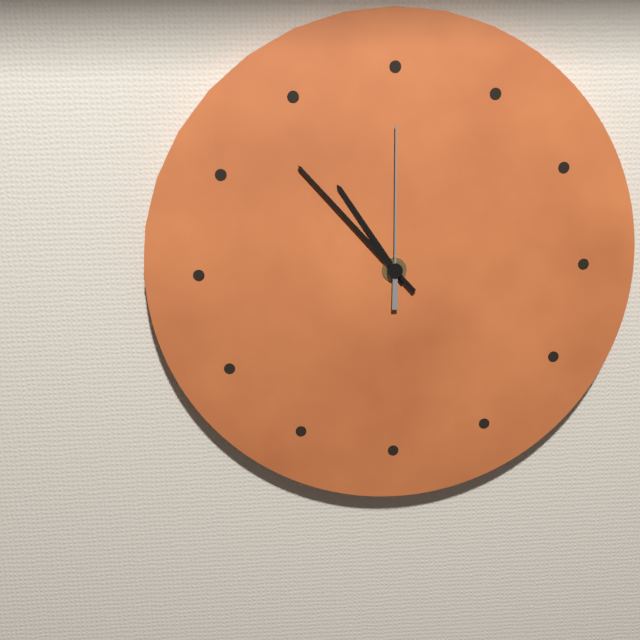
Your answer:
{"hour": 10, "minute": 53, "second": 0}
